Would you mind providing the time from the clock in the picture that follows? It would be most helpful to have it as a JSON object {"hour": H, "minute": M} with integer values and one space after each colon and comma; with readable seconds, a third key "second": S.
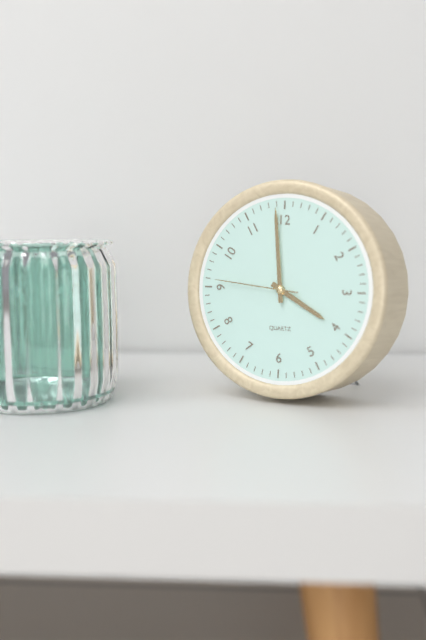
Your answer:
{"hour": 3, "minute": 59, "second": 46}
